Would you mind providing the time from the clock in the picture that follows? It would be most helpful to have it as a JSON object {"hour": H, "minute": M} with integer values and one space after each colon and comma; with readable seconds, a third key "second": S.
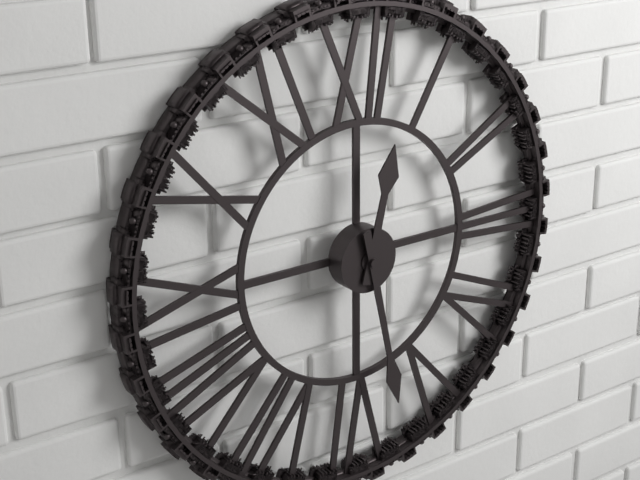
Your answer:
{"hour": 12, "minute": 28}
